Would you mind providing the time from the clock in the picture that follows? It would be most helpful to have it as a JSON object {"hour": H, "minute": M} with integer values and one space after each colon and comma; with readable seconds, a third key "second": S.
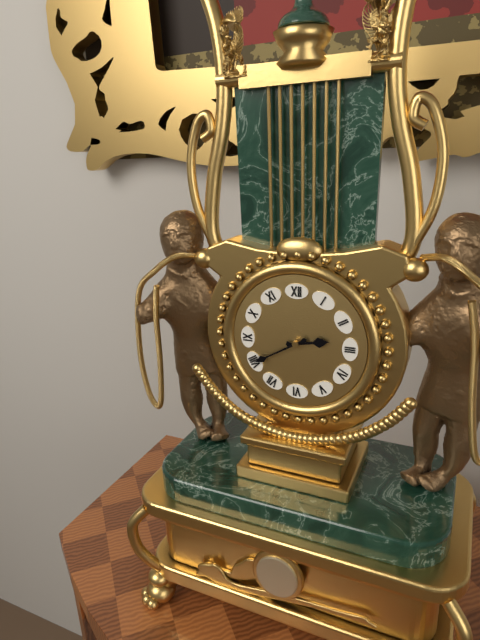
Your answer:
{"hour": 2, "minute": 40}
